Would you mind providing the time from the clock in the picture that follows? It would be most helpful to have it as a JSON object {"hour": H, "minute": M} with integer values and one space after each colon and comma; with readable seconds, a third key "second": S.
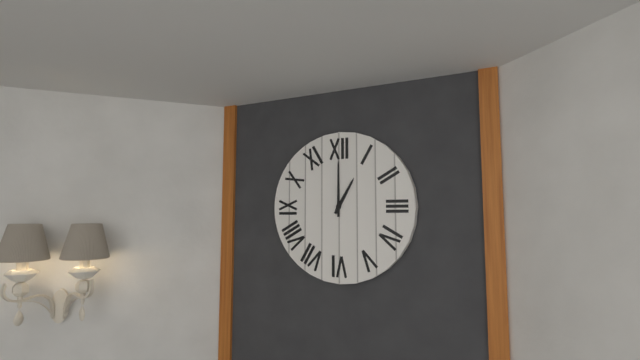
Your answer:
{"hour": 1, "minute": 0}
